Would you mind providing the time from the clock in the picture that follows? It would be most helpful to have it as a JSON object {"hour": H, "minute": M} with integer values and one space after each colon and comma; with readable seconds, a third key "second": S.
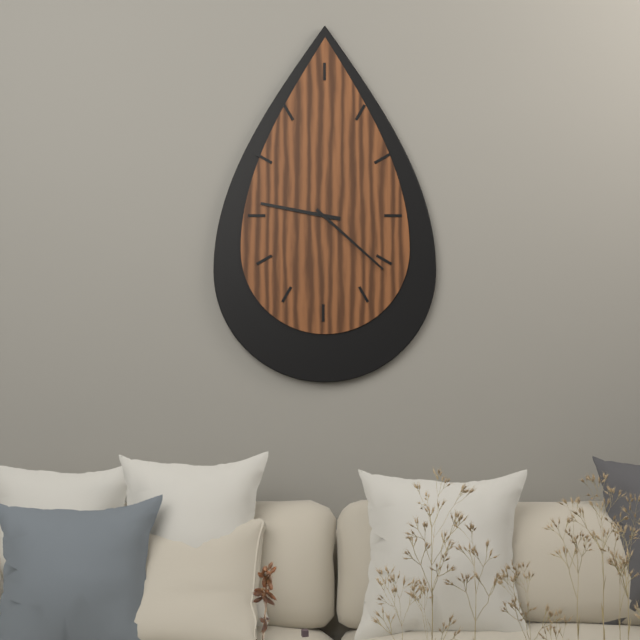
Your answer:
{"hour": 9, "minute": 22}
